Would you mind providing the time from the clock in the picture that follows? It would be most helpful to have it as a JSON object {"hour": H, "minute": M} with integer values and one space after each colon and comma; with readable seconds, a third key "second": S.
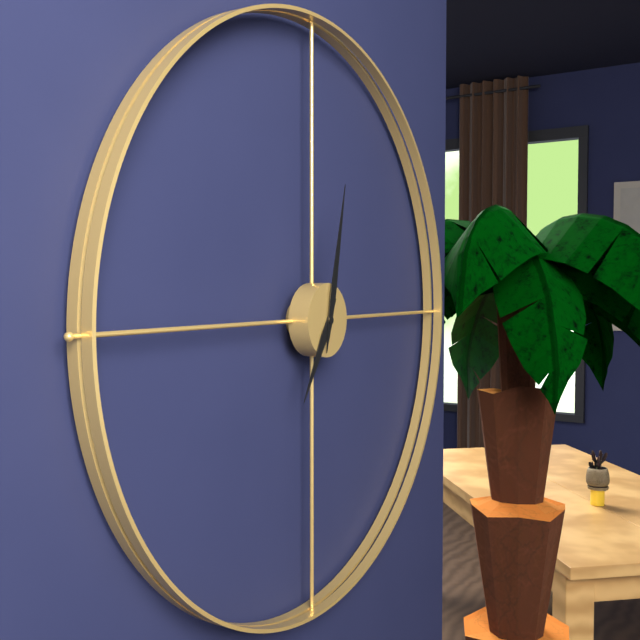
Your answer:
{"hour": 7, "minute": 2}
